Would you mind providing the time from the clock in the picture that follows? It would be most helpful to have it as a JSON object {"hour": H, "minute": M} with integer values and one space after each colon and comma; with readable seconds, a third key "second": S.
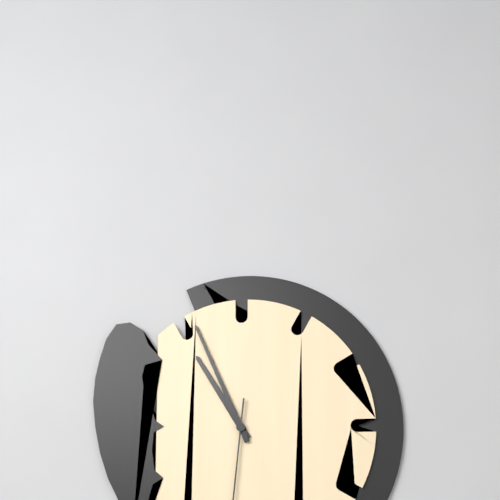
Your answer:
{"hour": 10, "minute": 56}
